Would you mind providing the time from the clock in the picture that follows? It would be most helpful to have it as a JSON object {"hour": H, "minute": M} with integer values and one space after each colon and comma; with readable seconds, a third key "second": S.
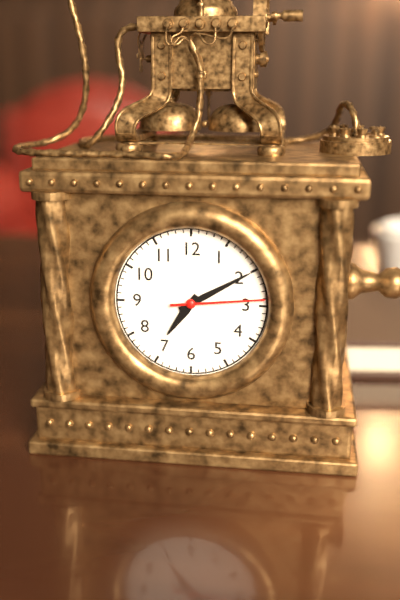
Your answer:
{"hour": 7, "minute": 10, "second": 14}
